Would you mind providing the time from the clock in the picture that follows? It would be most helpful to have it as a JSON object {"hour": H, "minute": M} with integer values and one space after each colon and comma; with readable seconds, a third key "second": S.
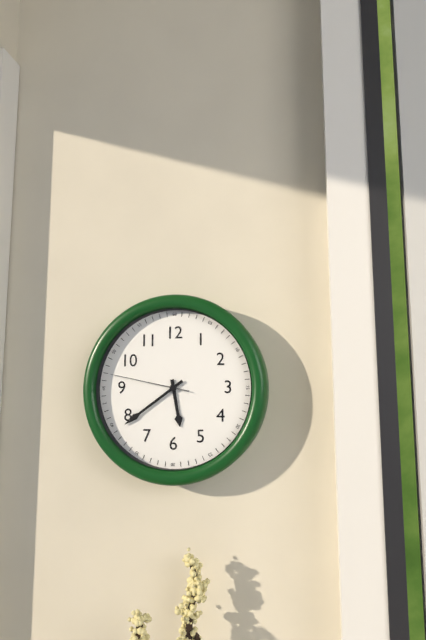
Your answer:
{"hour": 5, "minute": 39, "second": 47}
